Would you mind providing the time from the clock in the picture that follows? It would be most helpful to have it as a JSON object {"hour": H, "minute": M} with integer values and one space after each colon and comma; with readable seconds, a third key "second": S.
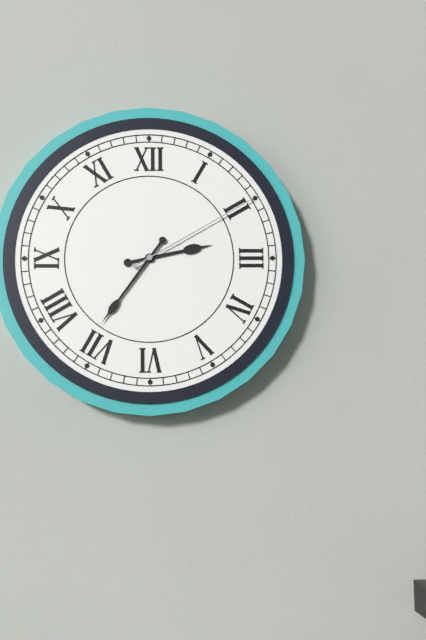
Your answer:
{"hour": 2, "minute": 36, "second": 10}
